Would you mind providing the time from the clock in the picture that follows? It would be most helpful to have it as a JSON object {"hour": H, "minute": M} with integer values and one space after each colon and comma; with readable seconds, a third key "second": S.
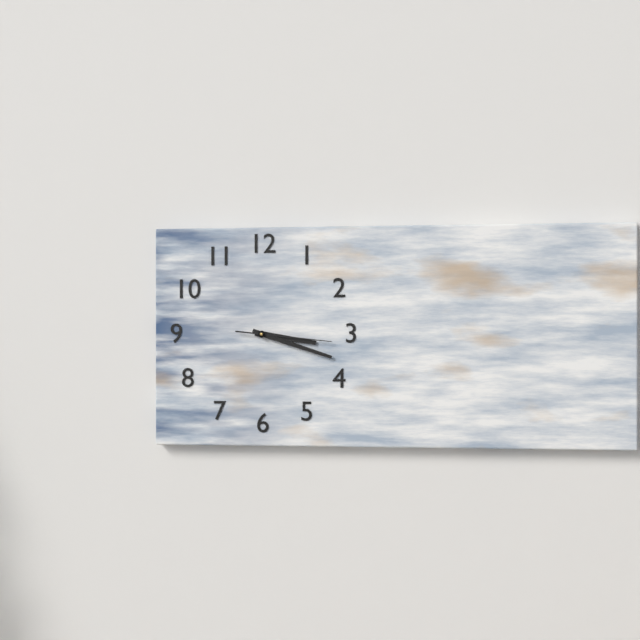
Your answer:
{"hour": 3, "minute": 18, "second": 16}
